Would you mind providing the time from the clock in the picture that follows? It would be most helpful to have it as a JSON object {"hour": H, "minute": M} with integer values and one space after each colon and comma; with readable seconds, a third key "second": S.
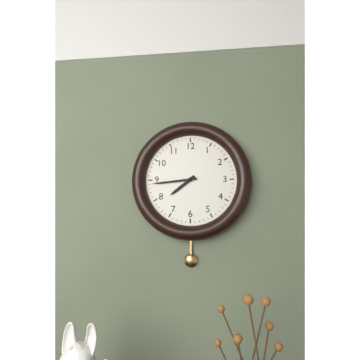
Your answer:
{"hour": 7, "minute": 44}
